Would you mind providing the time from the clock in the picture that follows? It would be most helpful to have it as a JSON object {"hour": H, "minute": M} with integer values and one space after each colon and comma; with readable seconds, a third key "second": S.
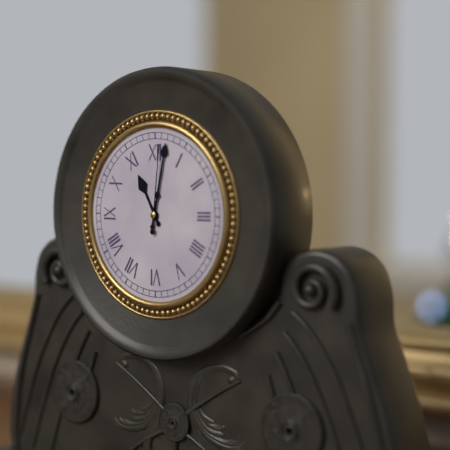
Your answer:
{"hour": 11, "minute": 2, "second": 1}
